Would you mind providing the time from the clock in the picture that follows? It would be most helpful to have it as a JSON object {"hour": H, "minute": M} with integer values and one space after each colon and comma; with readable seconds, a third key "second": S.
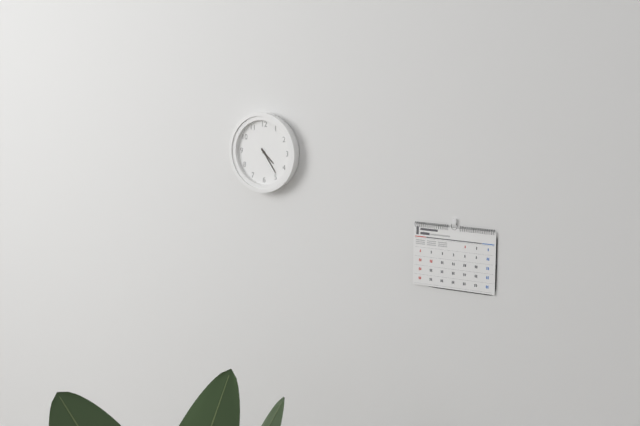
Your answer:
{"hour": 4, "minute": 24}
